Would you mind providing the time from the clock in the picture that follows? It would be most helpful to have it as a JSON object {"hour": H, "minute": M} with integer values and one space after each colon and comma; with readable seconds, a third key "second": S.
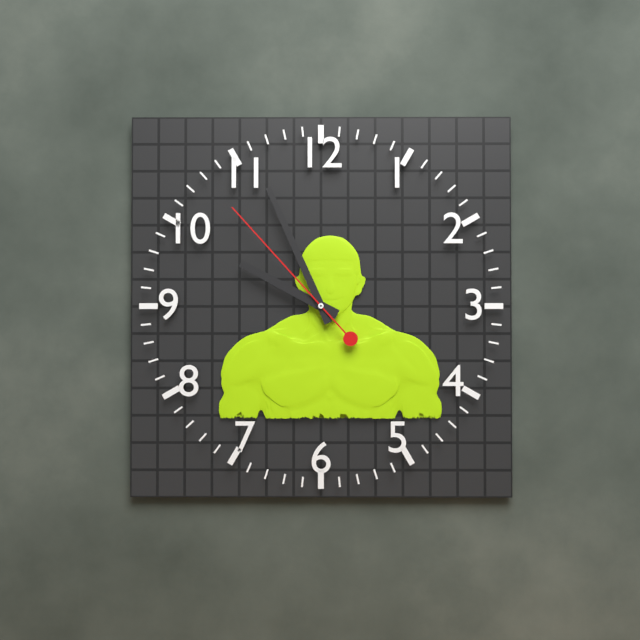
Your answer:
{"hour": 9, "minute": 56, "second": 53}
